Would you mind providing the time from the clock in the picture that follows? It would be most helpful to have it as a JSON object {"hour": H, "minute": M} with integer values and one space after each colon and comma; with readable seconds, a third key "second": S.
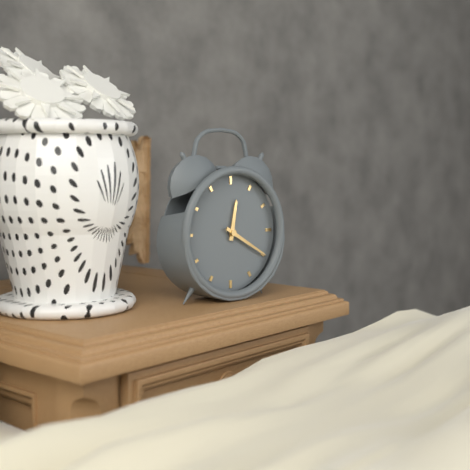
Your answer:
{"hour": 12, "minute": 20}
